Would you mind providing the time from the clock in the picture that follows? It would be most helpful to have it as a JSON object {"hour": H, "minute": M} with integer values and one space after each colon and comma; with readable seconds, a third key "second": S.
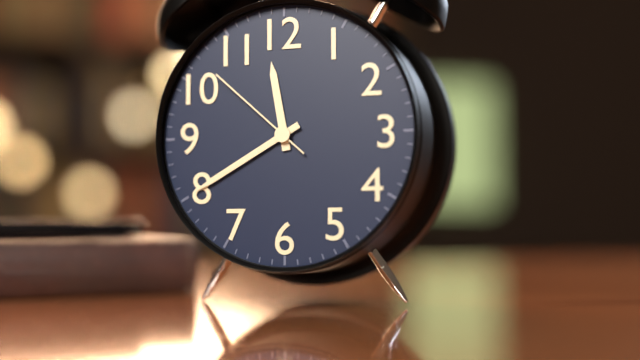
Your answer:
{"hour": 11, "minute": 40, "second": 52}
